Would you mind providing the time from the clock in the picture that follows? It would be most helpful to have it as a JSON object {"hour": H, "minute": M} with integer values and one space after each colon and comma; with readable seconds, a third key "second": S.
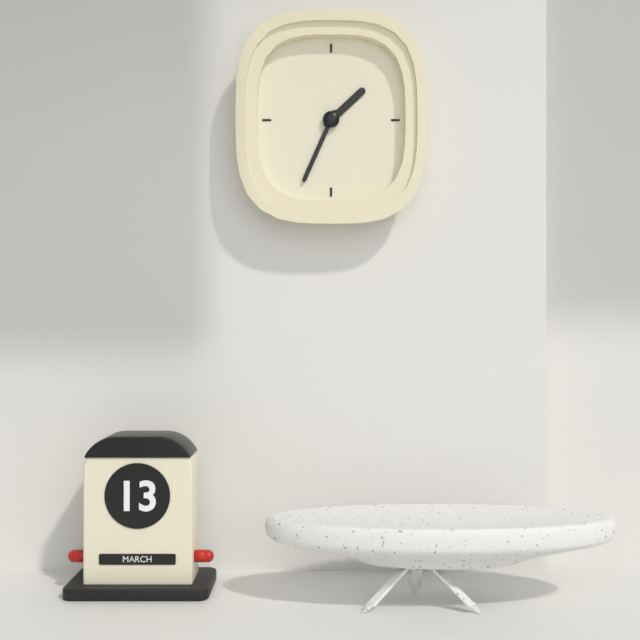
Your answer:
{"hour": 1, "minute": 34}
